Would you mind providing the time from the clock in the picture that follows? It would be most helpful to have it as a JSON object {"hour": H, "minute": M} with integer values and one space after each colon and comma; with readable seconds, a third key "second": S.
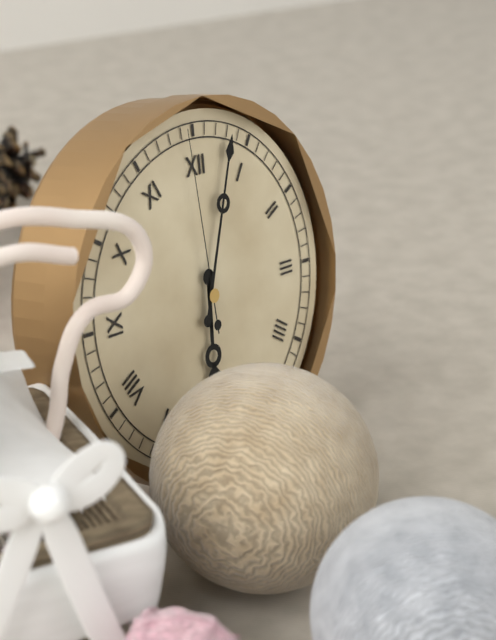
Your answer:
{"hour": 6, "minute": 3, "second": 59}
